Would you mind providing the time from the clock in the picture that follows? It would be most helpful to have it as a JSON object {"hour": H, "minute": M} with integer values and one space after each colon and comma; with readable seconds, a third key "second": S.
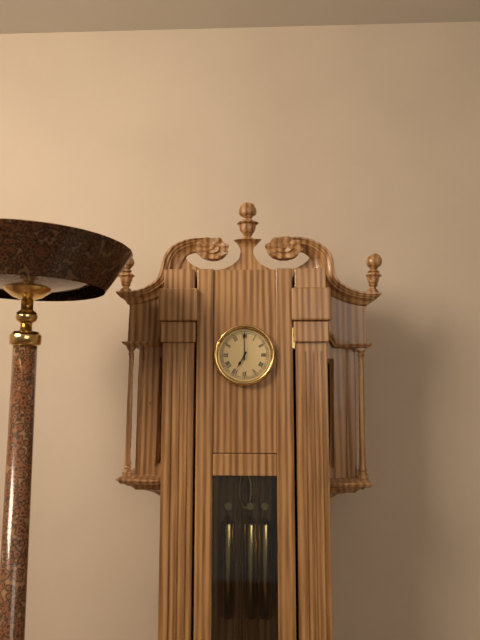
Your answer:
{"hour": 7, "minute": 0}
